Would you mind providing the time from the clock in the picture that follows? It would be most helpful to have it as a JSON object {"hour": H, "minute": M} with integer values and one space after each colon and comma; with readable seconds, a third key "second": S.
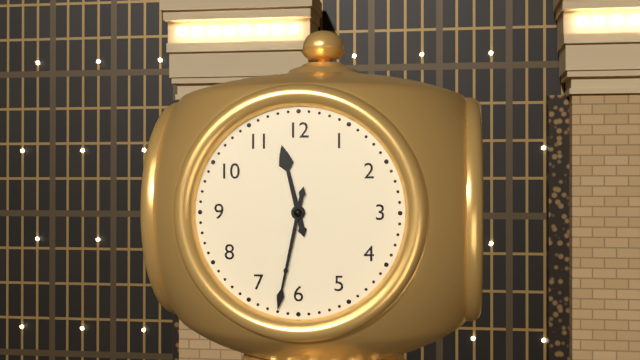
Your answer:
{"hour": 11, "minute": 32}
